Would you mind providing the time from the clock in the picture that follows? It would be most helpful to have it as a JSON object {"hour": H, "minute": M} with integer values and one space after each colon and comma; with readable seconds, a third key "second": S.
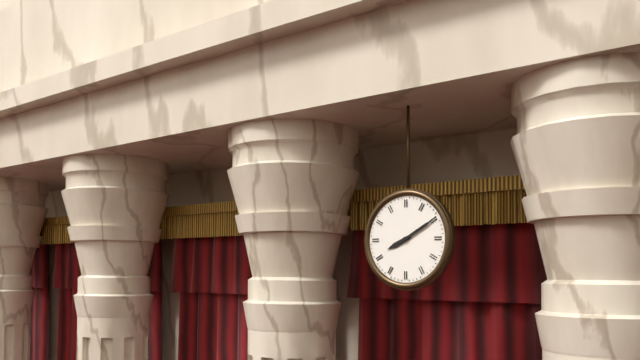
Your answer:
{"hour": 8, "minute": 10}
